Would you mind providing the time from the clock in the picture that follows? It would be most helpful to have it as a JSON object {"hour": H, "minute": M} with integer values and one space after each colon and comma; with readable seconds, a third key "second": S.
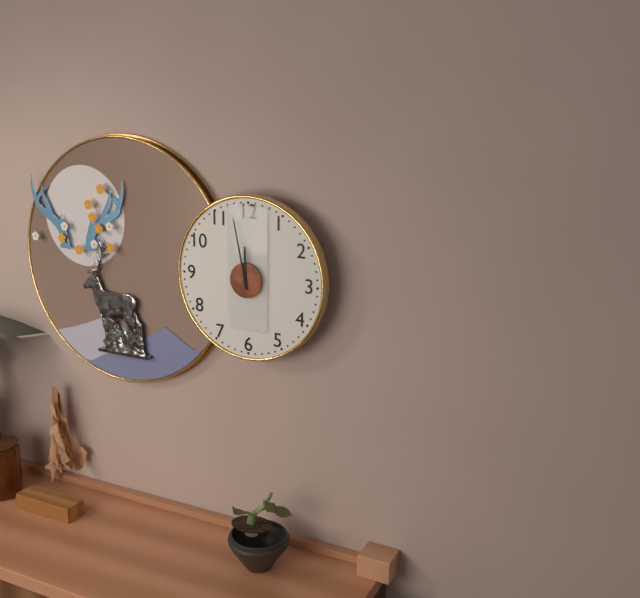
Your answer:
{"hour": 11, "minute": 58}
